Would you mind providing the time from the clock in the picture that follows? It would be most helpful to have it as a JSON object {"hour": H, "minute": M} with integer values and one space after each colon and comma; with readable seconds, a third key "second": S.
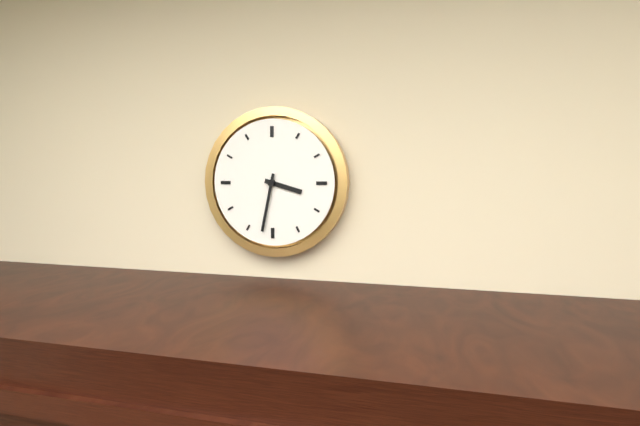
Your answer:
{"hour": 3, "minute": 32}
